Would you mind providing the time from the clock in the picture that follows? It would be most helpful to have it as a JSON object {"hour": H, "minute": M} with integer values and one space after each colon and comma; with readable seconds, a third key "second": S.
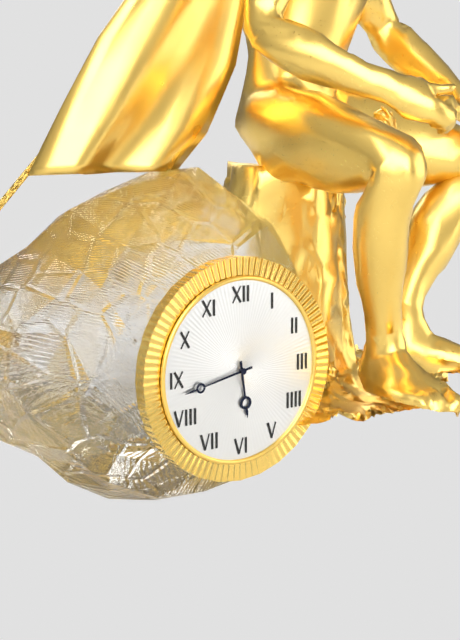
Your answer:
{"hour": 5, "minute": 43}
